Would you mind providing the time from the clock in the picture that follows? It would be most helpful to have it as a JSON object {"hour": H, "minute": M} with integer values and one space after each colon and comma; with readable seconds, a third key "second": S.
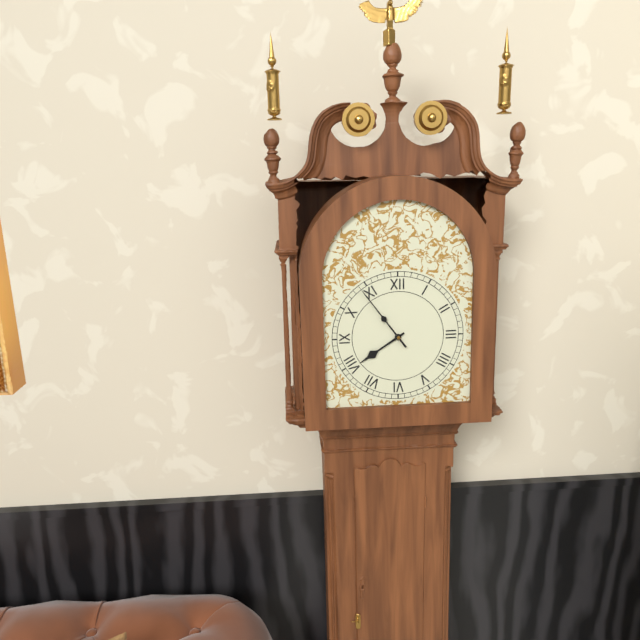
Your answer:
{"hour": 7, "minute": 54}
